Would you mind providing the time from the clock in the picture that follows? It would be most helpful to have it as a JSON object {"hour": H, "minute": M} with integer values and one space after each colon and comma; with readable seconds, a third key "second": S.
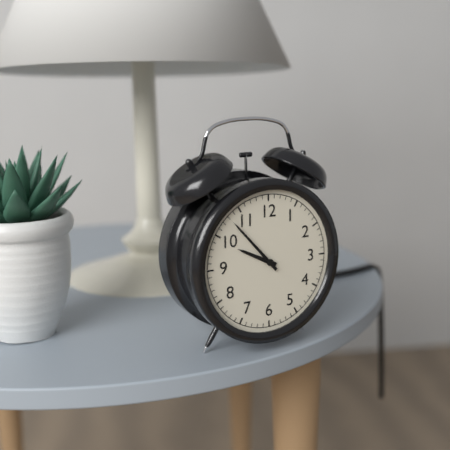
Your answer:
{"hour": 9, "minute": 53}
